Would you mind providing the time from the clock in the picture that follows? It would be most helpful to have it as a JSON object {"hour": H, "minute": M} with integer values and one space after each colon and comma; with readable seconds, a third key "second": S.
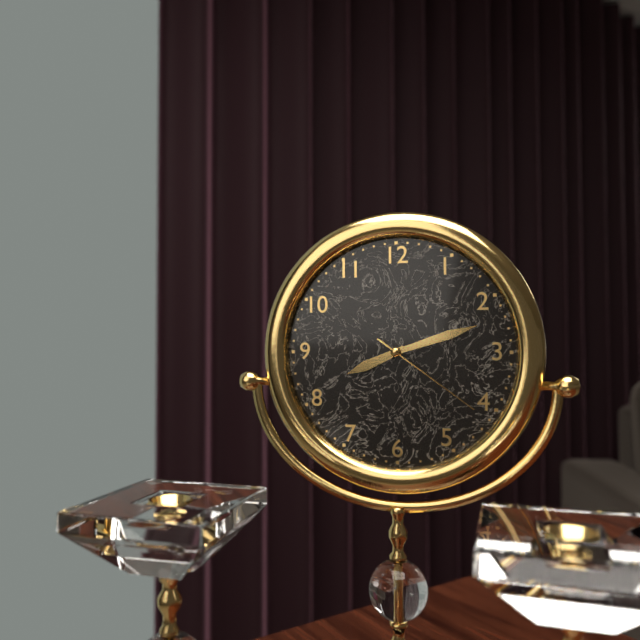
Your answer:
{"hour": 8, "minute": 12, "second": 21}
